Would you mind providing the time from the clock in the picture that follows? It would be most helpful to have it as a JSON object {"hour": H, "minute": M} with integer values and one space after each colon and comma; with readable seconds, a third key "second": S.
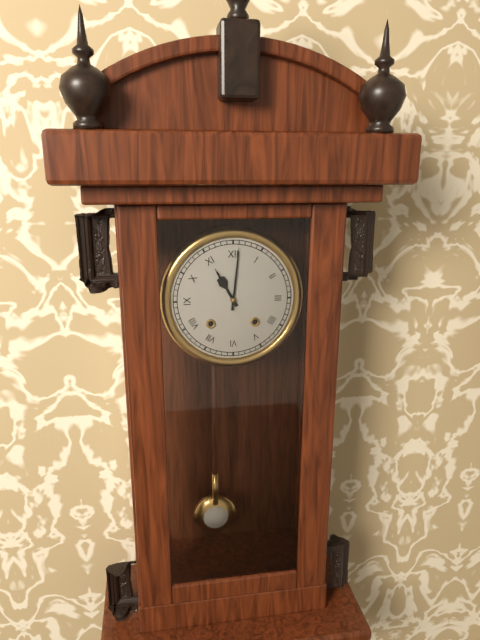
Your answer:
{"hour": 11, "minute": 1}
